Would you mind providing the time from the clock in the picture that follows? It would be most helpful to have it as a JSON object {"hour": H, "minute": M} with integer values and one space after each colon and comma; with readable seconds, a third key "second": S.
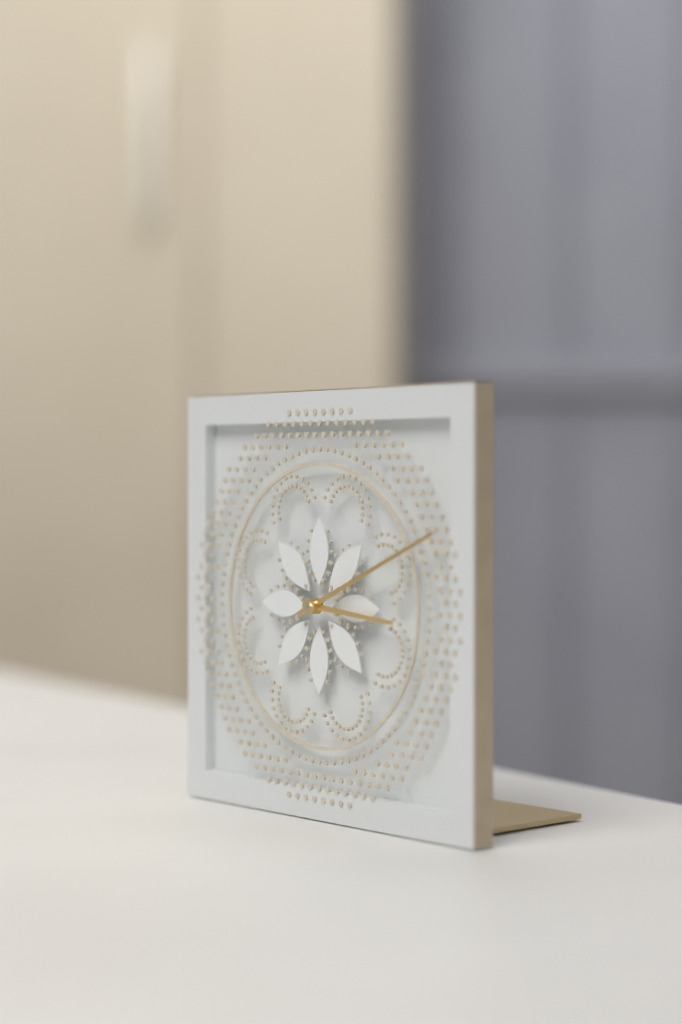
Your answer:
{"hour": 3, "minute": 11}
